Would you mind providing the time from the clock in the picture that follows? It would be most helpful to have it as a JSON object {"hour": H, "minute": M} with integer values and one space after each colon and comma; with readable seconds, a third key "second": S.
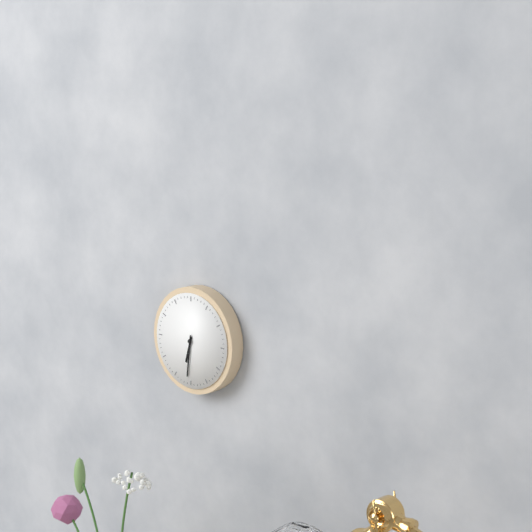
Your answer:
{"hour": 6, "minute": 31}
